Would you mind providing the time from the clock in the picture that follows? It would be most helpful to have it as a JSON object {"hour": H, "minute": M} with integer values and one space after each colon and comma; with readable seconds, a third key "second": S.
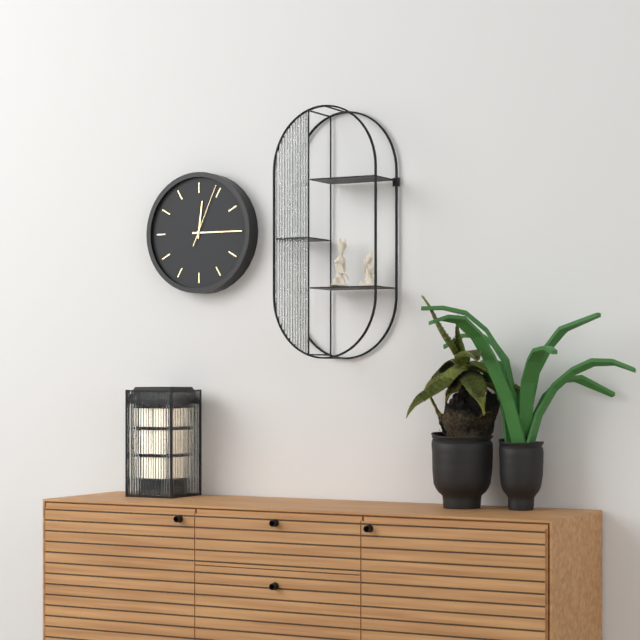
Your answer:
{"hour": 12, "minute": 15, "second": 4}
